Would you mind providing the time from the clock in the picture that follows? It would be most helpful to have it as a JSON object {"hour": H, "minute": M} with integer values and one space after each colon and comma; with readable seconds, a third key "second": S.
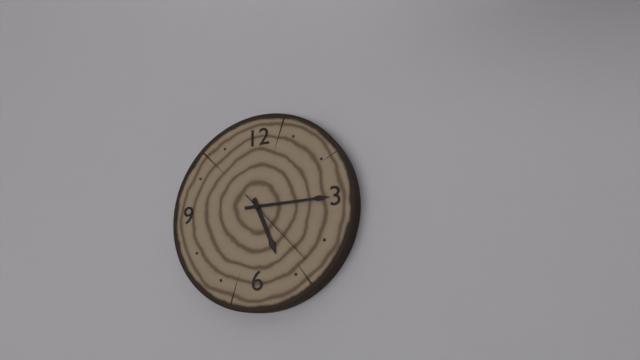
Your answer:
{"hour": 5, "minute": 15, "second": 23}
